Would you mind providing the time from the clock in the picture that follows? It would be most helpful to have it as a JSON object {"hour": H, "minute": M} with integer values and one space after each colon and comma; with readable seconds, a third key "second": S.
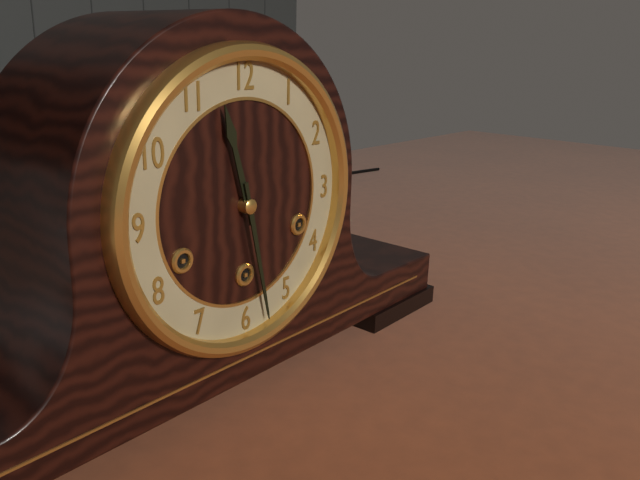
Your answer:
{"hour": 11, "minute": 28}
